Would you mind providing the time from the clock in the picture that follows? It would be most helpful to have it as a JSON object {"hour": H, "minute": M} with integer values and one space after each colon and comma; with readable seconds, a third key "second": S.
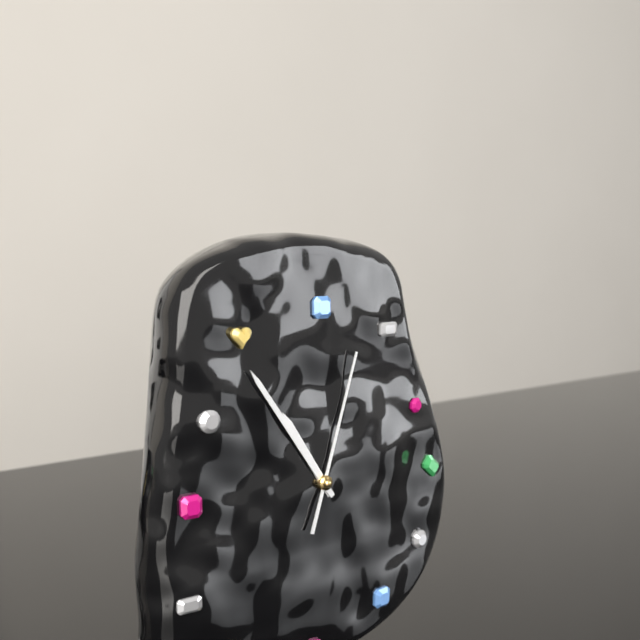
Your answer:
{"hour": 10, "minute": 54, "second": 3}
